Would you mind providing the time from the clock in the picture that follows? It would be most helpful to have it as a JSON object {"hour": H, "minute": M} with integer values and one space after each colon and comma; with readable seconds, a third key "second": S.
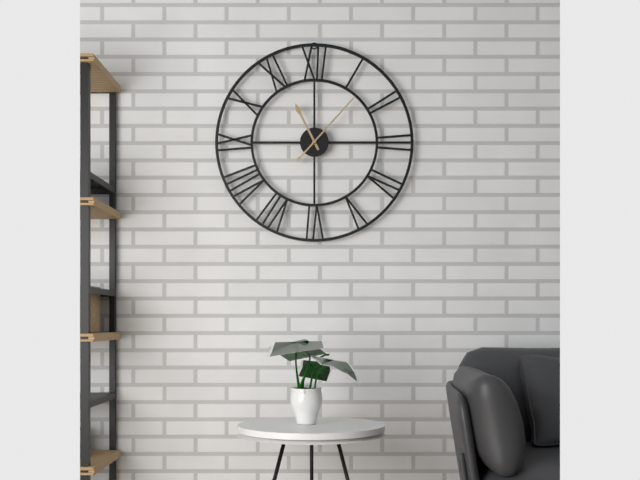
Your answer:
{"hour": 11, "minute": 7}
